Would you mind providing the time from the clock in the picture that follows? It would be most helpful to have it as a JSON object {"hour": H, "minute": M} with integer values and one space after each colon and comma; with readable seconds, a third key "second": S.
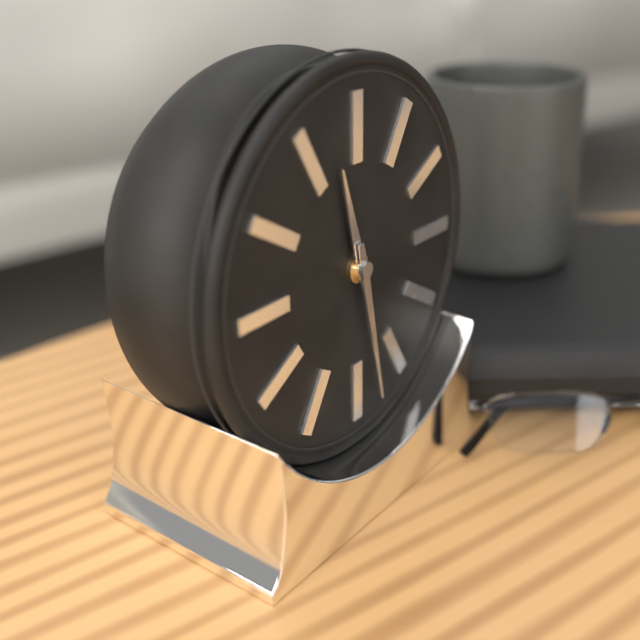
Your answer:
{"hour": 11, "minute": 28}
